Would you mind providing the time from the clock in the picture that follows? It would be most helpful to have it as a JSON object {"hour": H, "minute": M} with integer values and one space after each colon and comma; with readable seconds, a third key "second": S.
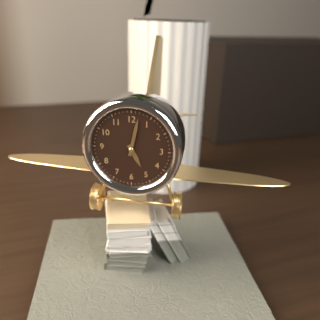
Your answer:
{"hour": 5, "minute": 2}
